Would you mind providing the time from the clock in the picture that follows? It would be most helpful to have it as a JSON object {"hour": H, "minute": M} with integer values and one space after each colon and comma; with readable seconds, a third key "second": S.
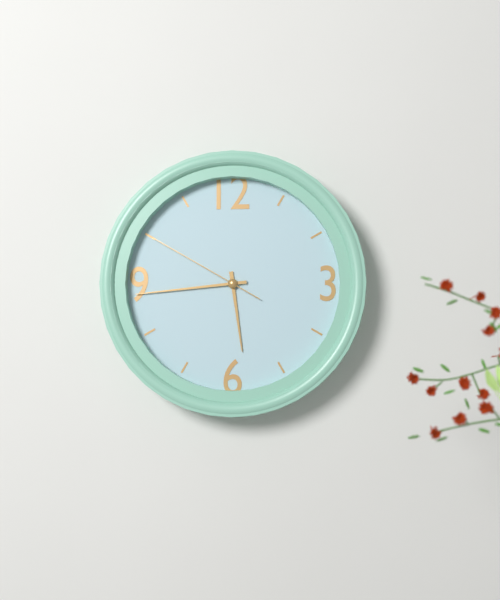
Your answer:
{"hour": 5, "minute": 44, "second": 50}
